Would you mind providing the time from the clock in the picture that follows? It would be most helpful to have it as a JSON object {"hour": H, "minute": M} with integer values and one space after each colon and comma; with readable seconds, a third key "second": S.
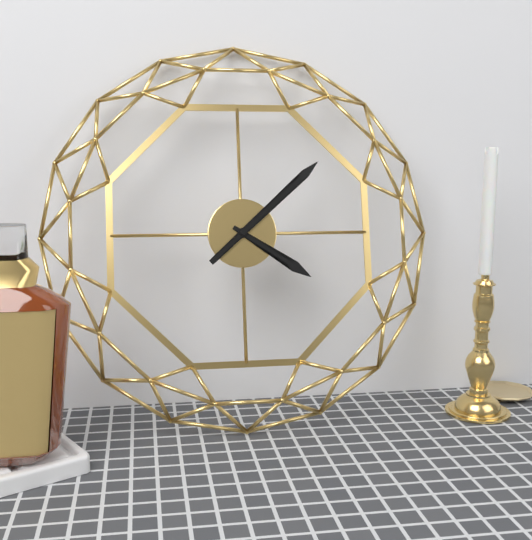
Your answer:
{"hour": 4, "minute": 8}
